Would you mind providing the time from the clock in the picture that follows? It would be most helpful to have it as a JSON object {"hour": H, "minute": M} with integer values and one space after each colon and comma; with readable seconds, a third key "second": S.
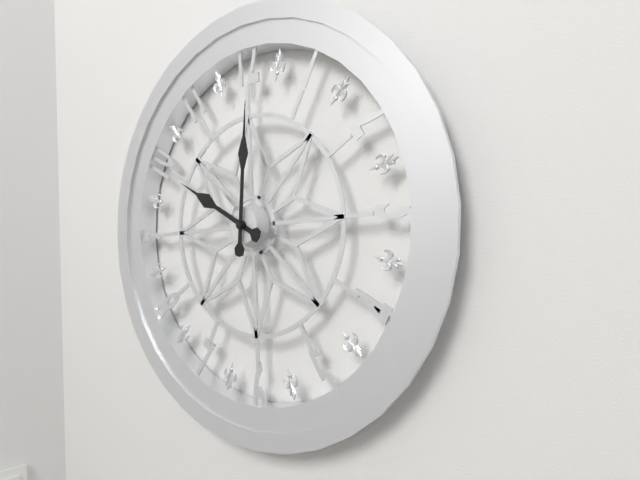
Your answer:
{"hour": 10, "minute": 1}
